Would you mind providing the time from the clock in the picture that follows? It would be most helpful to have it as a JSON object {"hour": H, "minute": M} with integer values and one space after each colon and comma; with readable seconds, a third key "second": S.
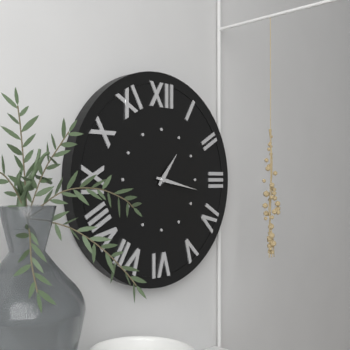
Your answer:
{"hour": 1, "minute": 17}
